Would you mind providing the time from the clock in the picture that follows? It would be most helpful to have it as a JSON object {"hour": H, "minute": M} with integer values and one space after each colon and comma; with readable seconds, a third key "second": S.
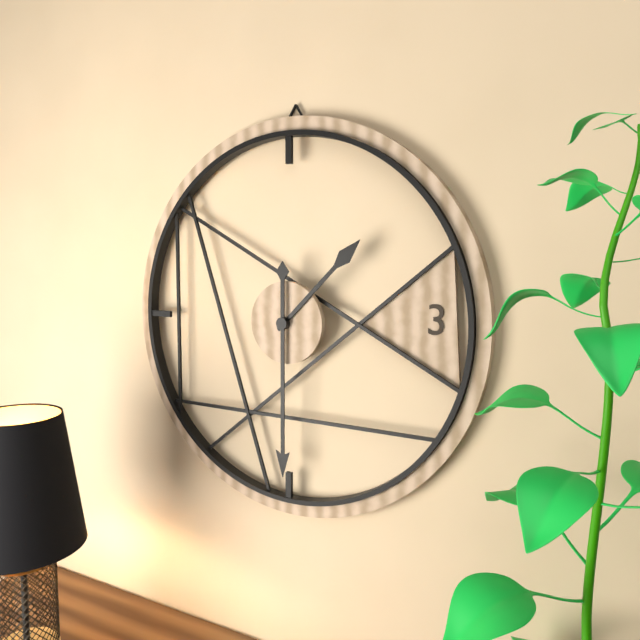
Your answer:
{"hour": 1, "minute": 30}
